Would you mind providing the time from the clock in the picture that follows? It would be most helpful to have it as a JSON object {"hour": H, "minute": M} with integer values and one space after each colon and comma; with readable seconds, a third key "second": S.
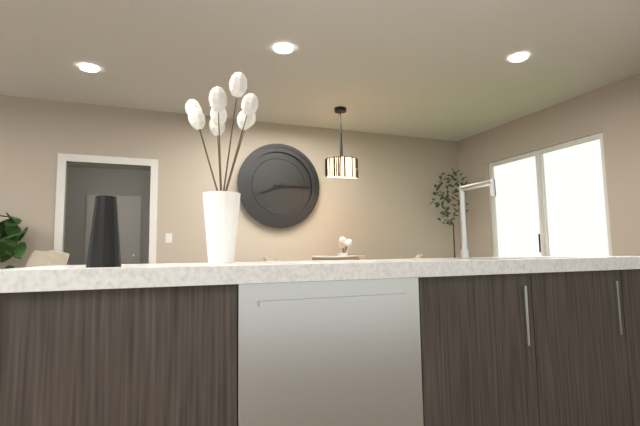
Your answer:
{"hour": 8, "minute": 15}
